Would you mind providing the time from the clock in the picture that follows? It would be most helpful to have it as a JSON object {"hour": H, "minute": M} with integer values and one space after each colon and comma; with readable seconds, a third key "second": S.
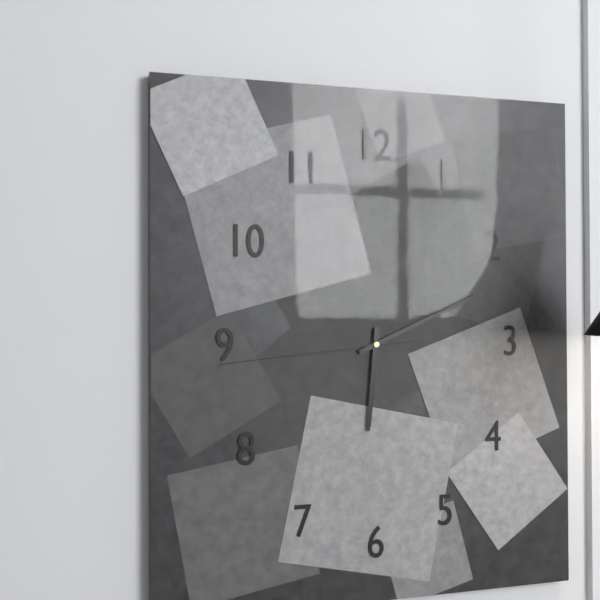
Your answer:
{"hour": 6, "minute": 11, "second": 44}
